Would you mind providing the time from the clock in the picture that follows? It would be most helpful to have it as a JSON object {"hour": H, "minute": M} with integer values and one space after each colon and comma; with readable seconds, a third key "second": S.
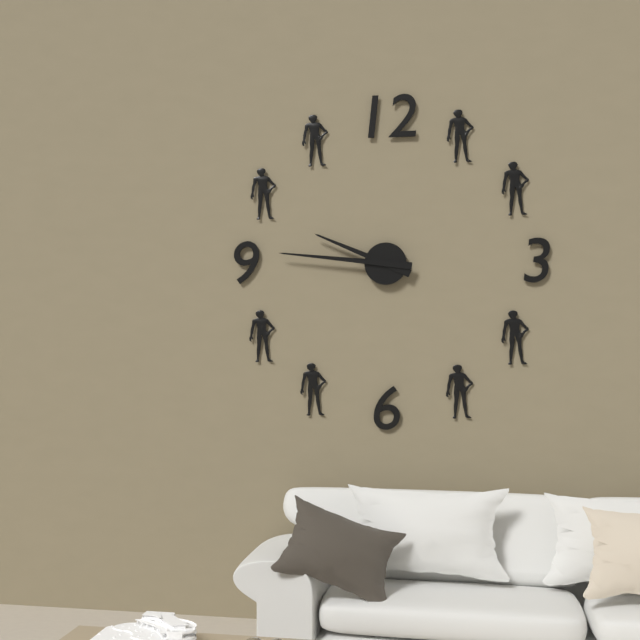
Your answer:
{"hour": 9, "minute": 46}
